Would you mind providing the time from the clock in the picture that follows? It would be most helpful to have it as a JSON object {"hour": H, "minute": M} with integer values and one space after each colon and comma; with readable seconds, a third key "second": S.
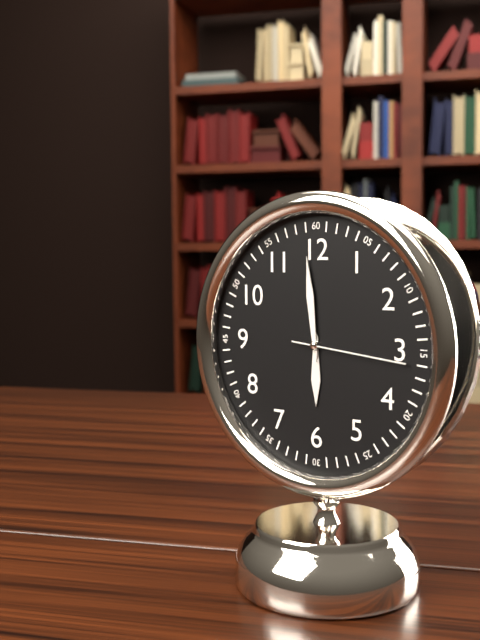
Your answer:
{"hour": 5, "minute": 59, "second": 16}
